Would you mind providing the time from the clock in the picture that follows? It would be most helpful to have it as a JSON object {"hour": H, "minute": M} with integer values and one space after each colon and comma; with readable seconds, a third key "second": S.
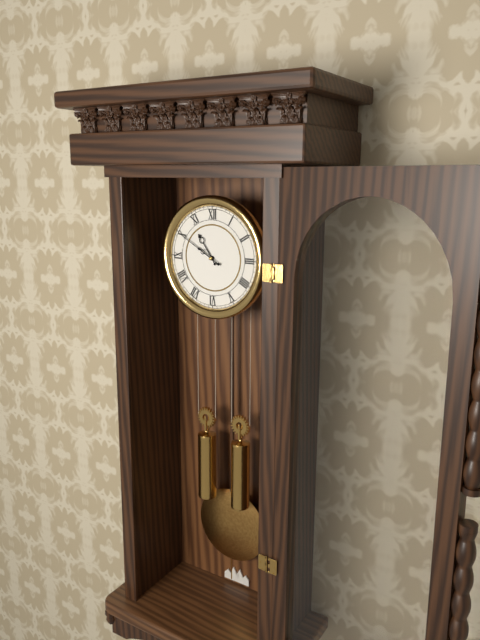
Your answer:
{"hour": 10, "minute": 50}
